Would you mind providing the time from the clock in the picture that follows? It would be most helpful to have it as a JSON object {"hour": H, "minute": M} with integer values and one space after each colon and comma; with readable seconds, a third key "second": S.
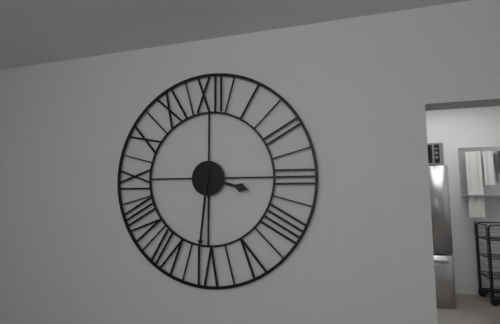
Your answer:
{"hour": 3, "minute": 31}
